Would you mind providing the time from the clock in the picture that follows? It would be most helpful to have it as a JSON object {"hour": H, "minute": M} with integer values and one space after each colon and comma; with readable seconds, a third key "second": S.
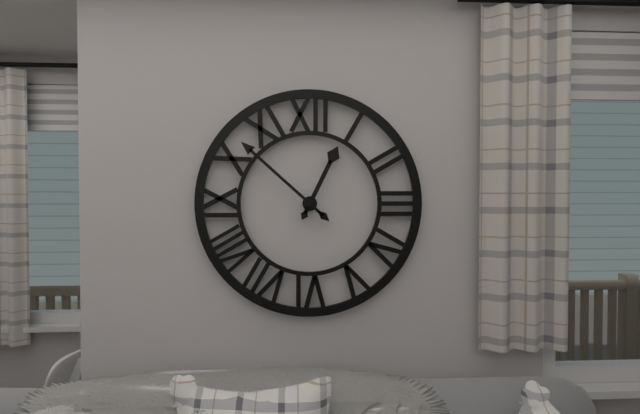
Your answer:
{"hour": 12, "minute": 52}
